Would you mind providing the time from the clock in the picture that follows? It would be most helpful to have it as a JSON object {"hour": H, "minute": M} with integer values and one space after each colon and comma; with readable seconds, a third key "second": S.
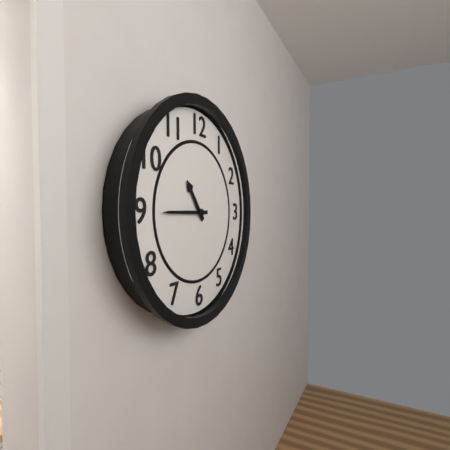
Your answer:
{"hour": 10, "minute": 45}
